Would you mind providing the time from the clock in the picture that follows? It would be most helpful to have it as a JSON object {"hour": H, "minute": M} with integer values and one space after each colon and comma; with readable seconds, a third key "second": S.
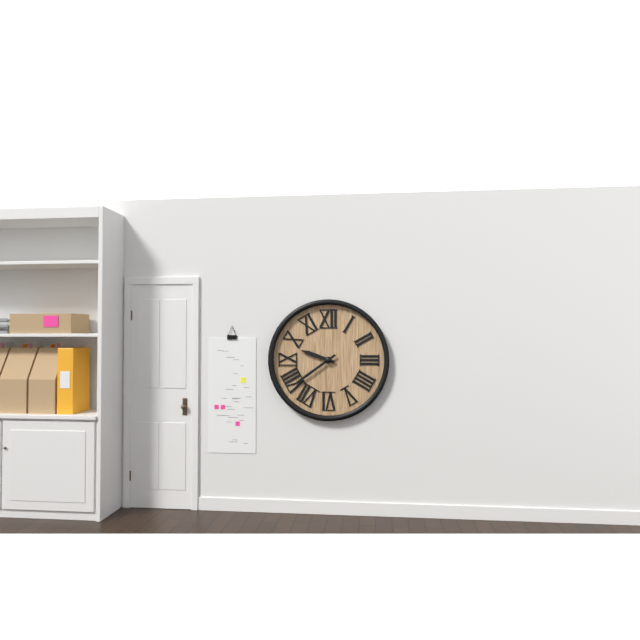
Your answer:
{"hour": 9, "minute": 39}
